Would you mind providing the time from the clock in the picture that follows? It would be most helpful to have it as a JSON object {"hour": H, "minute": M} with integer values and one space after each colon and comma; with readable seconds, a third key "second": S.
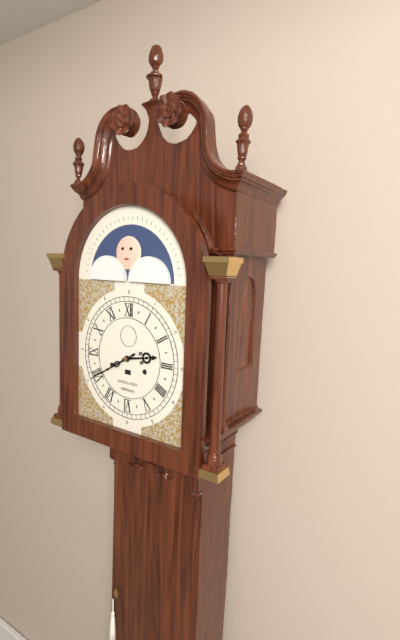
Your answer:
{"hour": 2, "minute": 40}
